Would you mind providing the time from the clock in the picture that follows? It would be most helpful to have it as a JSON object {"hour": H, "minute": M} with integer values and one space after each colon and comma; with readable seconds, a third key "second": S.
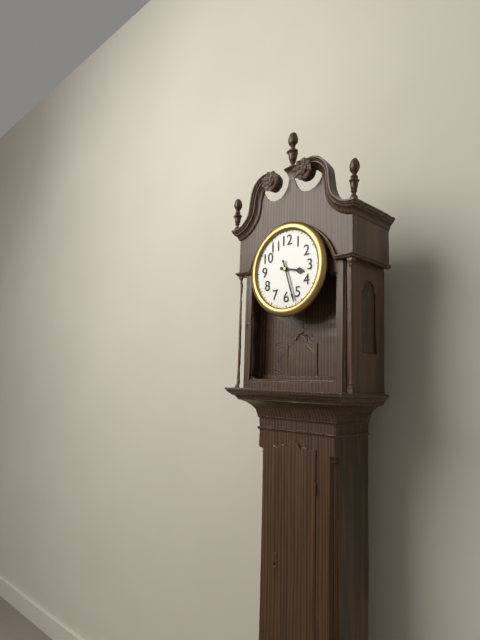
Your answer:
{"hour": 3, "minute": 27}
